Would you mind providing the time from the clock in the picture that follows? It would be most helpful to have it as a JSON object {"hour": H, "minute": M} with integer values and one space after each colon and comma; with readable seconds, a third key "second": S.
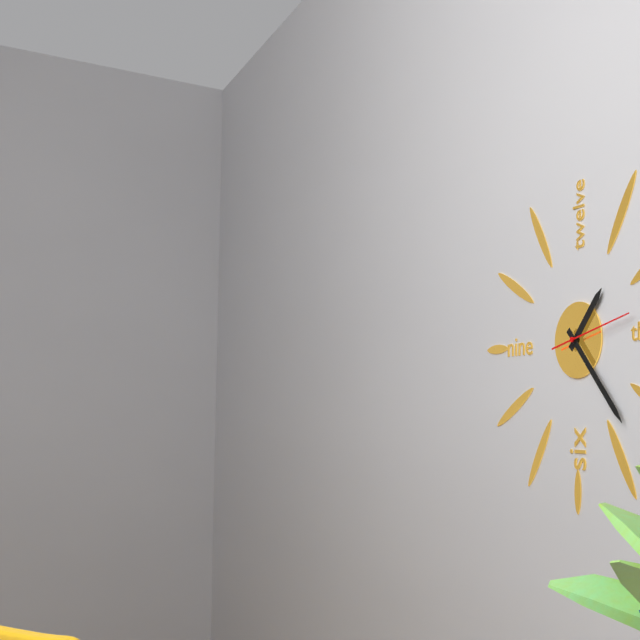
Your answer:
{"hour": 1, "minute": 23, "second": 13}
